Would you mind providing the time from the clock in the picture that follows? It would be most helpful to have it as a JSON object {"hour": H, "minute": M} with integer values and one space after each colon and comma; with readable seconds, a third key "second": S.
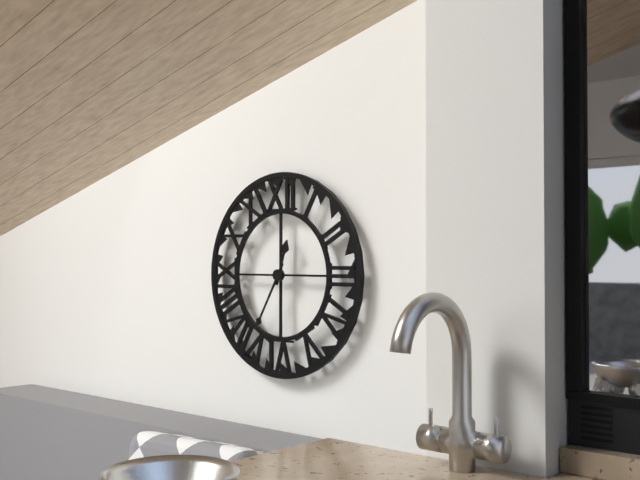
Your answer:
{"hour": 12, "minute": 35}
